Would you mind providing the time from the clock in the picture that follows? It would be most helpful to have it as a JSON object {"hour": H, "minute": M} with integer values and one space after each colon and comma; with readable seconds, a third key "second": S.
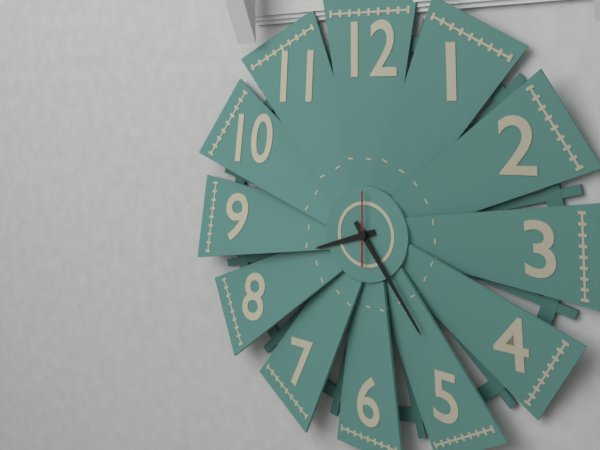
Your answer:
{"hour": 8, "minute": 24, "second": 0}
